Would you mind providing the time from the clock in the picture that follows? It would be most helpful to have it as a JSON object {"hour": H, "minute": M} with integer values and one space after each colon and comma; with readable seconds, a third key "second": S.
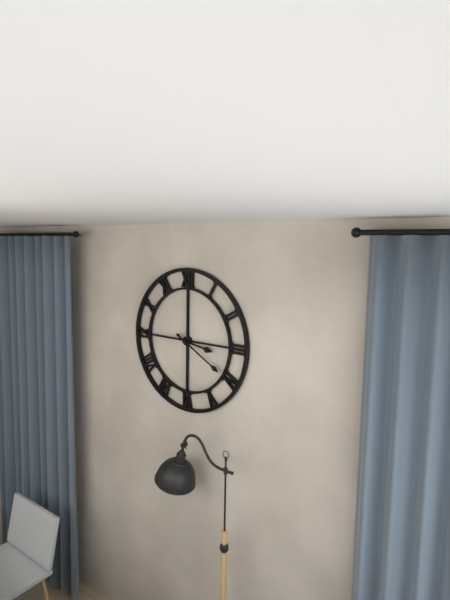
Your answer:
{"hour": 3, "minute": 20}
